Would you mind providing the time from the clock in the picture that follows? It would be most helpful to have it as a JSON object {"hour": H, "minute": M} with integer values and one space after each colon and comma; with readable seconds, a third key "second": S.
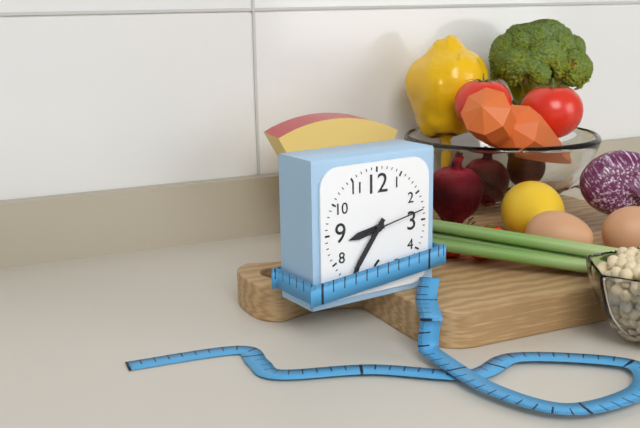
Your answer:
{"hour": 8, "minute": 36, "second": 13}
